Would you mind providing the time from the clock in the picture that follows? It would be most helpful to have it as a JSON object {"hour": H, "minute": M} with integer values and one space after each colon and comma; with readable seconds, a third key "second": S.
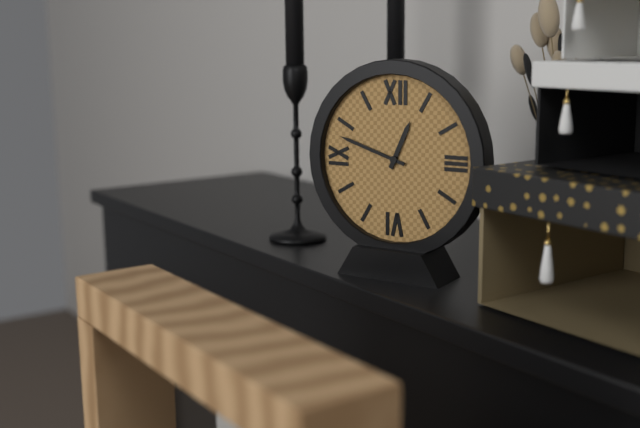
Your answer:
{"hour": 12, "minute": 48}
